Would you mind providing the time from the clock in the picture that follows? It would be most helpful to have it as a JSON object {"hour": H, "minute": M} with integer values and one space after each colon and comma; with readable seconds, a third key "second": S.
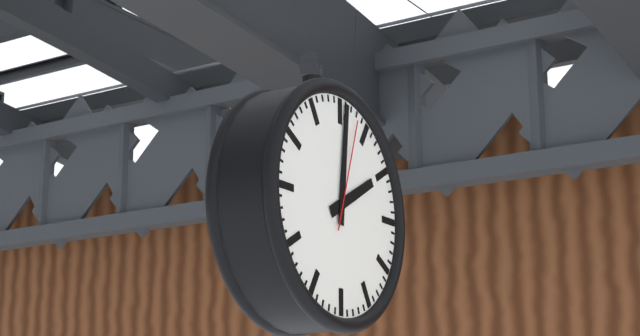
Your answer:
{"hour": 2, "minute": 1, "second": 3}
